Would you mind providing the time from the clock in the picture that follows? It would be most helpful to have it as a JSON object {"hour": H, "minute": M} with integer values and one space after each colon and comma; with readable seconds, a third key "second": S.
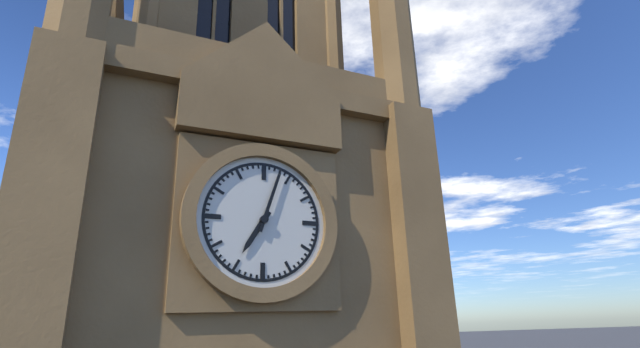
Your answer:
{"hour": 7, "minute": 3}
